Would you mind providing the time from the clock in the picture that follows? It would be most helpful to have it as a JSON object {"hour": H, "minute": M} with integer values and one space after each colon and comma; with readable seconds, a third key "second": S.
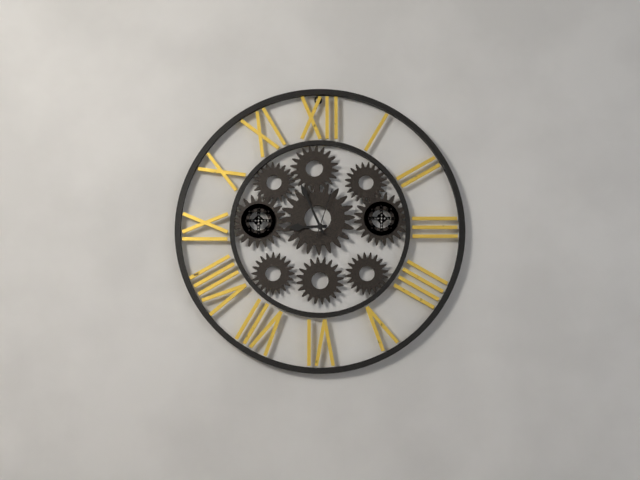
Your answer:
{"hour": 8, "minute": 56, "second": 3}
